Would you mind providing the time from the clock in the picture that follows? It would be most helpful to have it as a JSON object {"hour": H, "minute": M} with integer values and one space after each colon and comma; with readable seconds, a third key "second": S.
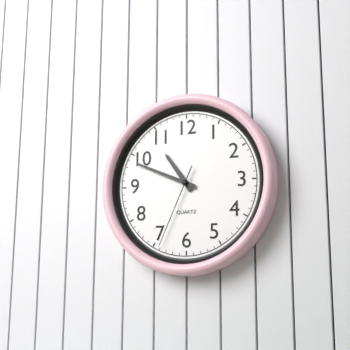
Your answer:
{"hour": 10, "minute": 49, "second": 34}
